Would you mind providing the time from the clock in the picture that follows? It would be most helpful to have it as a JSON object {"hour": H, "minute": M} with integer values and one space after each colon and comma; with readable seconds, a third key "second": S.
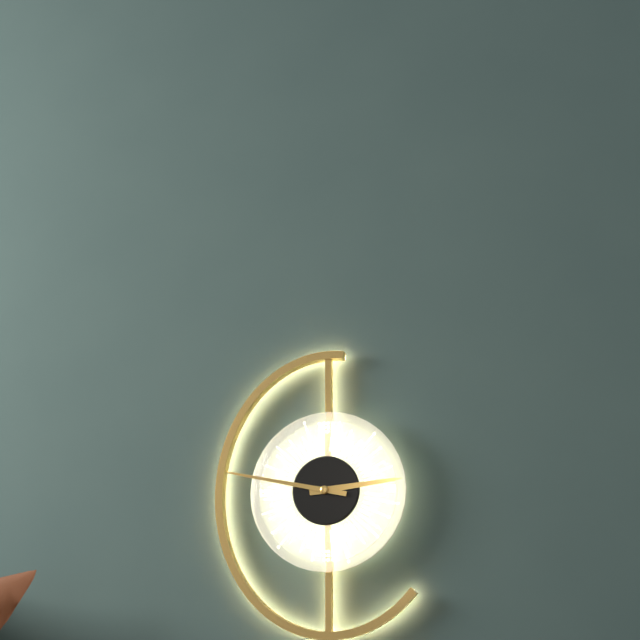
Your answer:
{"hour": 2, "minute": 47}
